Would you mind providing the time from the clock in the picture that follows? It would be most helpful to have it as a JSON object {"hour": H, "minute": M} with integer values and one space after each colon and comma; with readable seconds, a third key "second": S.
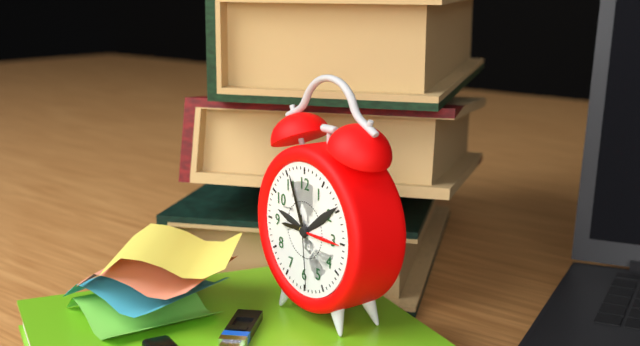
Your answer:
{"hour": 8, "minute": 56, "second": 29}
